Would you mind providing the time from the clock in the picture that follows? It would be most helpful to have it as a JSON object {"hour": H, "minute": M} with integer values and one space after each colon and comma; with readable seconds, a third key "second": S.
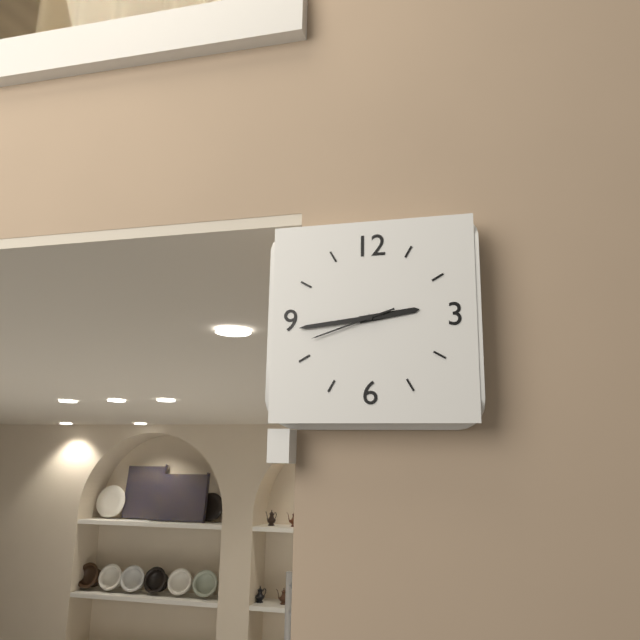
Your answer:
{"hour": 2, "minute": 44, "second": 42}
